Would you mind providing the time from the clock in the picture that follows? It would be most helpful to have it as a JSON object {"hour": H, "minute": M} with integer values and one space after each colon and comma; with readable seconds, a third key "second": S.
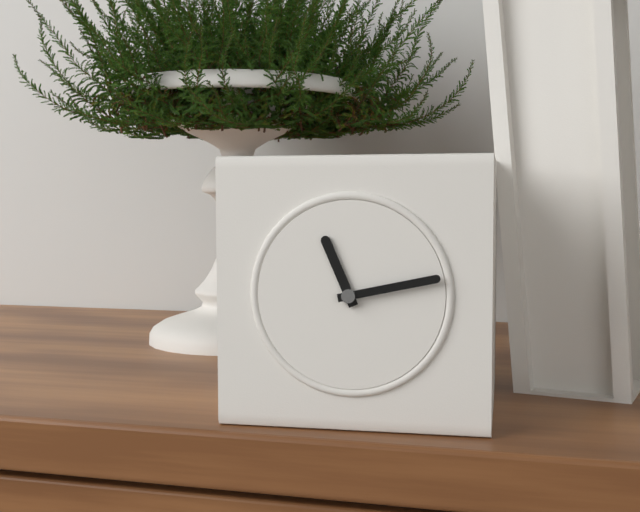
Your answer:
{"hour": 11, "minute": 13}
